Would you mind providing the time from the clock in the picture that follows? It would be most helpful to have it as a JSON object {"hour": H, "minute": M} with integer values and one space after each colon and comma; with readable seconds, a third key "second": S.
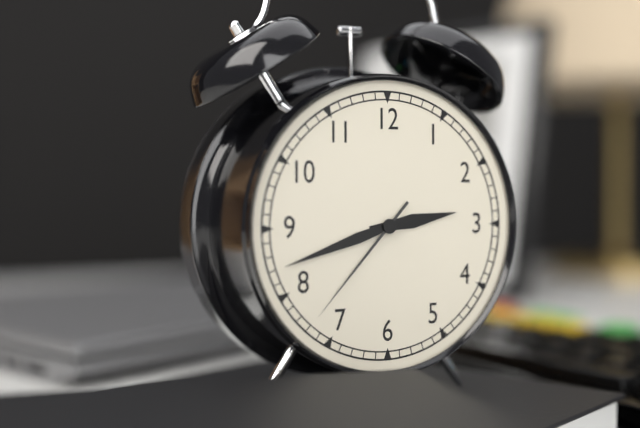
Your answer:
{"hour": 2, "minute": 42, "second": 37}
